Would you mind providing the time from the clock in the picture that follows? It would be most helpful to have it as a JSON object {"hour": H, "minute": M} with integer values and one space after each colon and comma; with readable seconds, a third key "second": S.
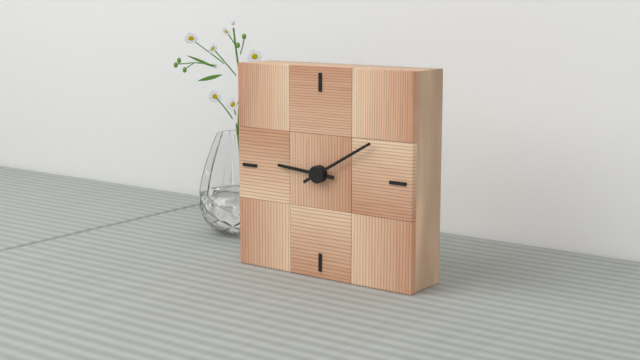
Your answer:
{"hour": 9, "minute": 10}
